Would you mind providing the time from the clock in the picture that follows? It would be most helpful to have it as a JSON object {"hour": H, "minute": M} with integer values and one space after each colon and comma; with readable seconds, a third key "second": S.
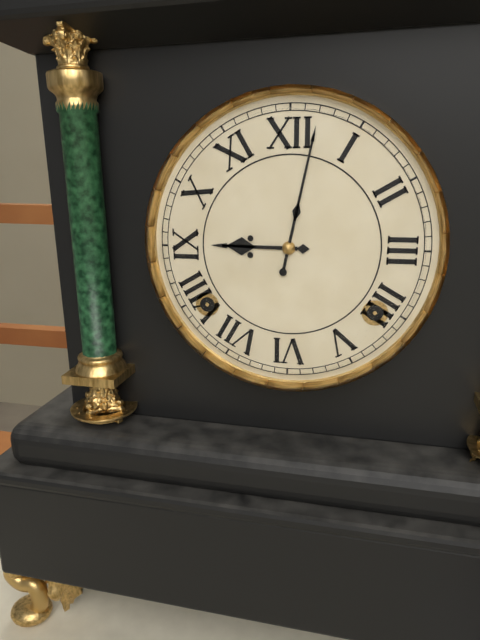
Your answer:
{"hour": 9, "minute": 2}
